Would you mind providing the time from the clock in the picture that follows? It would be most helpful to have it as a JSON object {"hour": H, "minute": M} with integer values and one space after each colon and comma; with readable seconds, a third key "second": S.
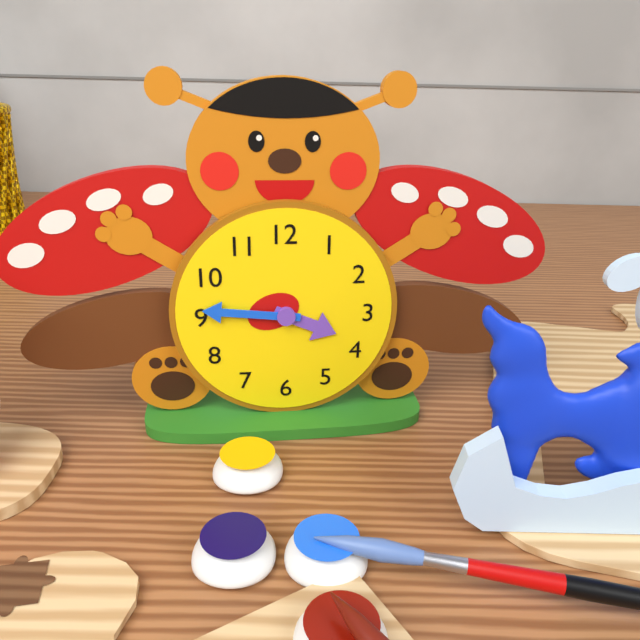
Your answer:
{"hour": 3, "minute": 46}
